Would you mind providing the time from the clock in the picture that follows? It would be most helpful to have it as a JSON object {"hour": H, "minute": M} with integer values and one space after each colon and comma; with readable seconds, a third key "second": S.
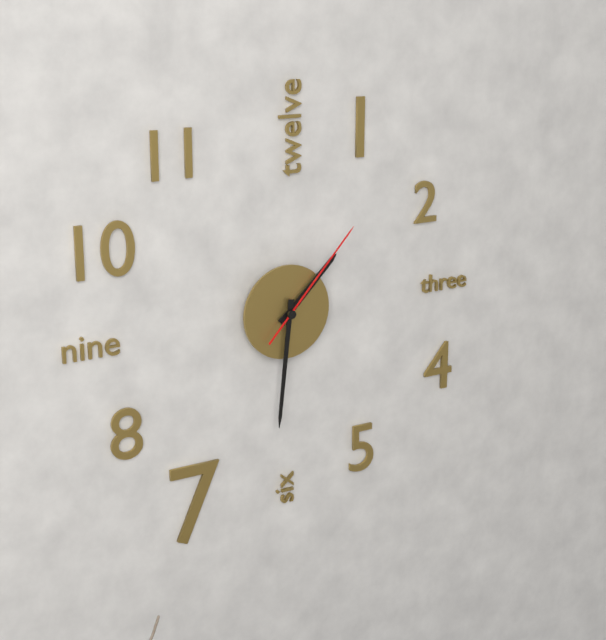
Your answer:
{"hour": 1, "minute": 31, "second": 7}
